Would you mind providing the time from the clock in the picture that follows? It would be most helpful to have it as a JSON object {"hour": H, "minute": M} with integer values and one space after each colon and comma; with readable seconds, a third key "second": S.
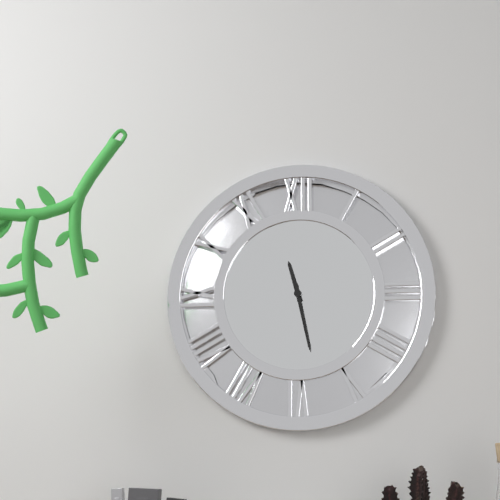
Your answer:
{"hour": 11, "minute": 28}
